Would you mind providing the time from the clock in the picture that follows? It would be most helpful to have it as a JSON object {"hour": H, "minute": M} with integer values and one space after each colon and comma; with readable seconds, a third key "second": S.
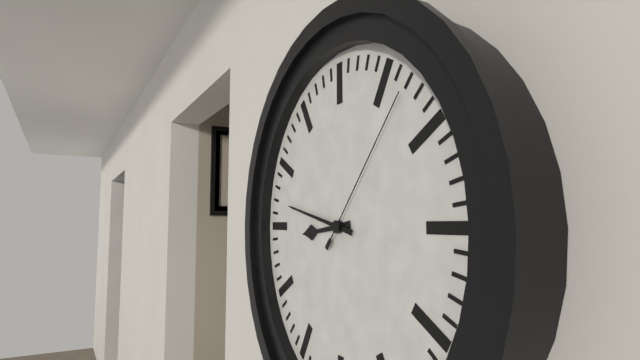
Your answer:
{"hour": 8, "minute": 47, "second": 7}
